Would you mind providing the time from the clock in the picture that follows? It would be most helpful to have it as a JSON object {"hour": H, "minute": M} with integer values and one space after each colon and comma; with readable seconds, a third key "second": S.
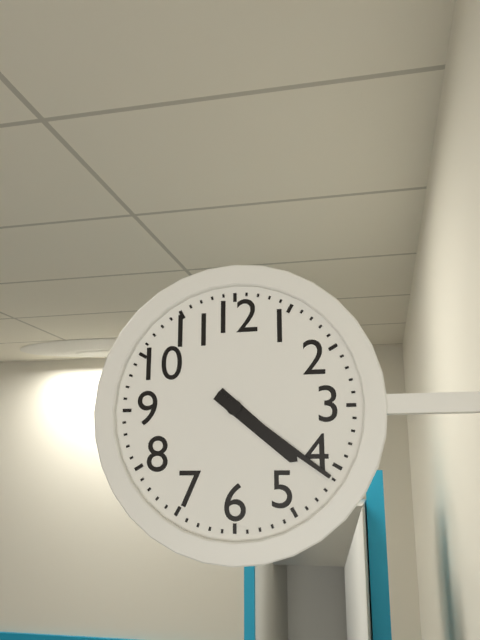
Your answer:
{"hour": 4, "minute": 21}
